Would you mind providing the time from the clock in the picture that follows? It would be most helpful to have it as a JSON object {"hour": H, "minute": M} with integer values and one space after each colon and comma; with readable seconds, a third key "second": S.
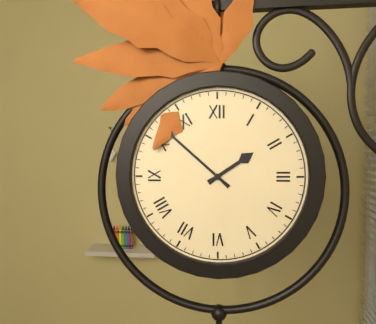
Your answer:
{"hour": 1, "minute": 52}
